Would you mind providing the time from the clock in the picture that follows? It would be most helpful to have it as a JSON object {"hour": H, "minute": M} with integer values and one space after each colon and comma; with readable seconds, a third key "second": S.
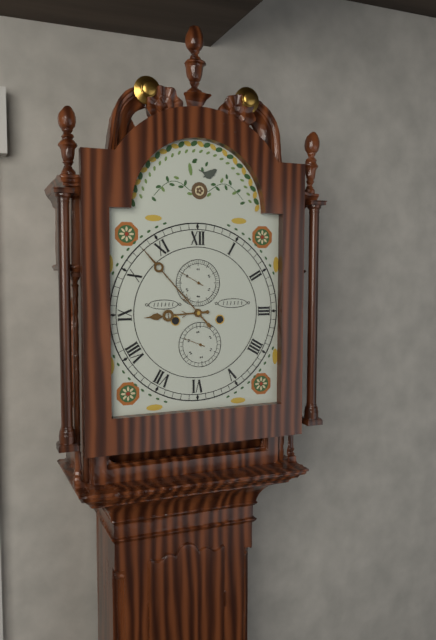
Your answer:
{"hour": 8, "minute": 53}
